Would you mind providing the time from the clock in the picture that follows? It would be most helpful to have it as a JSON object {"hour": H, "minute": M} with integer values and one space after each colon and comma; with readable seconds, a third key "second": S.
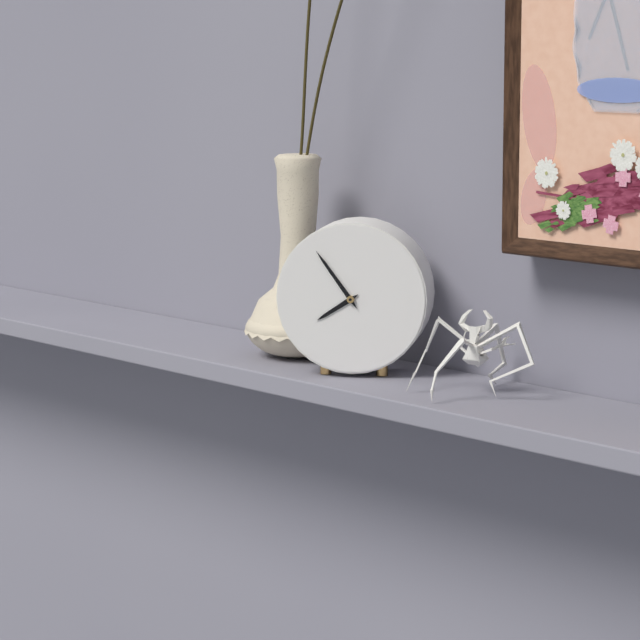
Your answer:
{"hour": 7, "minute": 54}
